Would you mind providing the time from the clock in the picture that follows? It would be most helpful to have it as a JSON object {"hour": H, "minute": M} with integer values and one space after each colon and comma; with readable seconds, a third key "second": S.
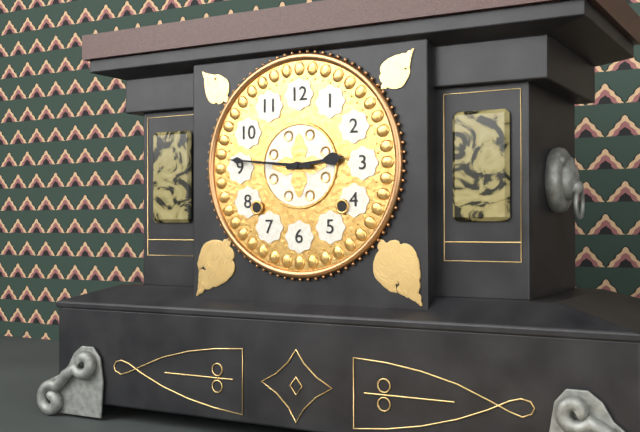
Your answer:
{"hour": 2, "minute": 46}
